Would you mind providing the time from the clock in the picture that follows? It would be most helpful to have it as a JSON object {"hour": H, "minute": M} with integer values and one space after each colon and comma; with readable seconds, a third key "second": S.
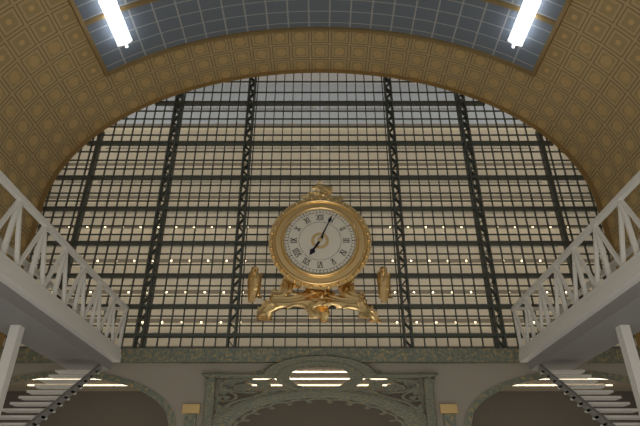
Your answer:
{"hour": 7, "minute": 4}
